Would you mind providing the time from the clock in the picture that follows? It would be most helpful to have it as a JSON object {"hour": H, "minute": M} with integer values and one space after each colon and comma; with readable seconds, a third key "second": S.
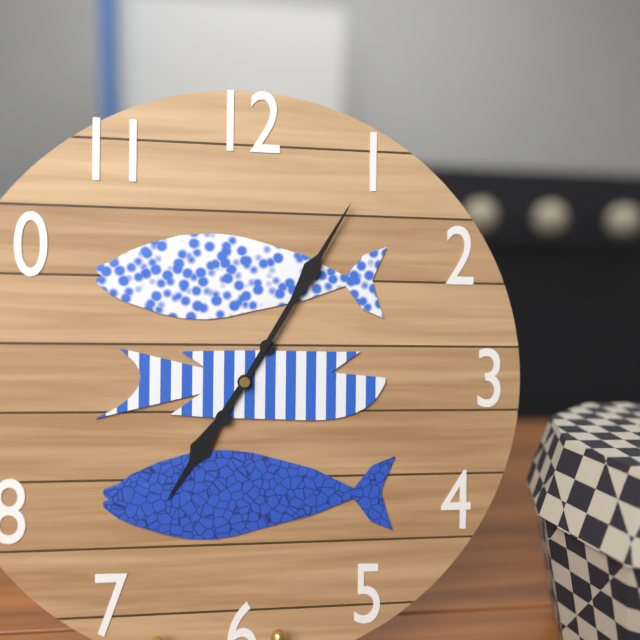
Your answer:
{"hour": 7, "minute": 5}
